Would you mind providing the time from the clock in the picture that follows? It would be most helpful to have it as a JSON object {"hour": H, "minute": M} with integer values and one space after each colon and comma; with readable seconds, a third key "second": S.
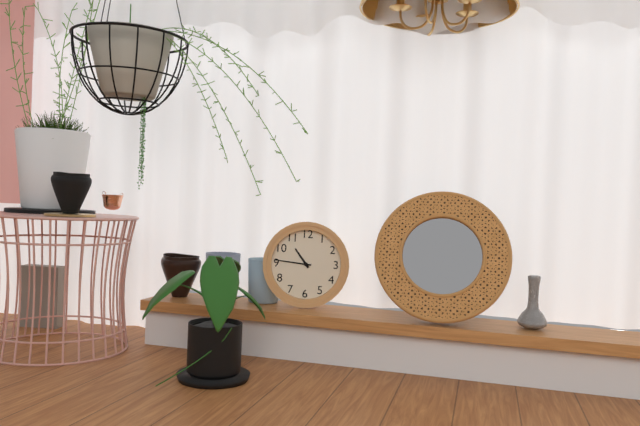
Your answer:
{"hour": 10, "minute": 46}
